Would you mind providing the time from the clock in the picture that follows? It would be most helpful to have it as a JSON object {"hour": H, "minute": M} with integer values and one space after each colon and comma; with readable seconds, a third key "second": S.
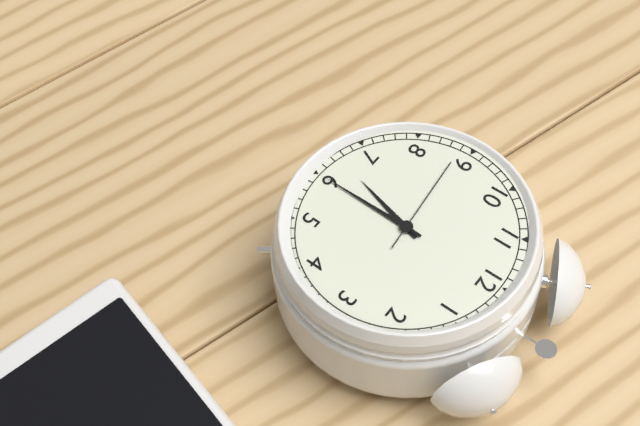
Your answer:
{"hour": 6, "minute": 30, "second": 44}
